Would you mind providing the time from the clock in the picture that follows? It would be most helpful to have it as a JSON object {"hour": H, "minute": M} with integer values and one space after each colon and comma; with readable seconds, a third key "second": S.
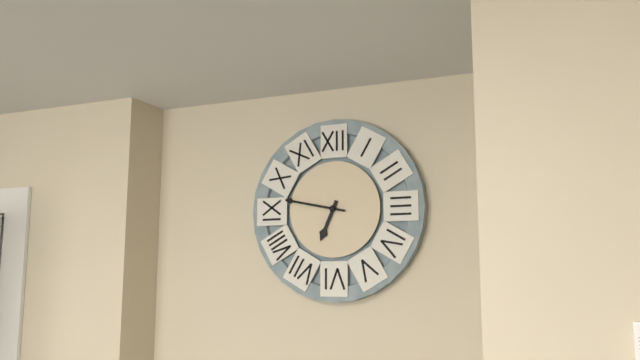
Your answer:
{"hour": 6, "minute": 47}
